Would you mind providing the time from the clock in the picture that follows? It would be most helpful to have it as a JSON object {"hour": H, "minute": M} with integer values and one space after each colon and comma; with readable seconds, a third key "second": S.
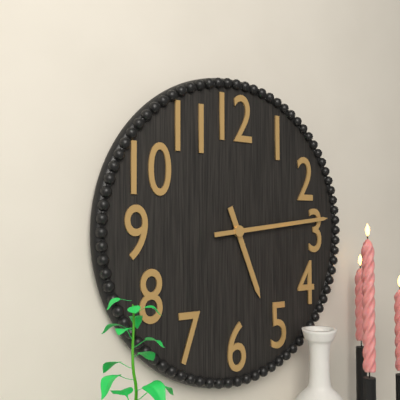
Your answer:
{"hour": 5, "minute": 14}
